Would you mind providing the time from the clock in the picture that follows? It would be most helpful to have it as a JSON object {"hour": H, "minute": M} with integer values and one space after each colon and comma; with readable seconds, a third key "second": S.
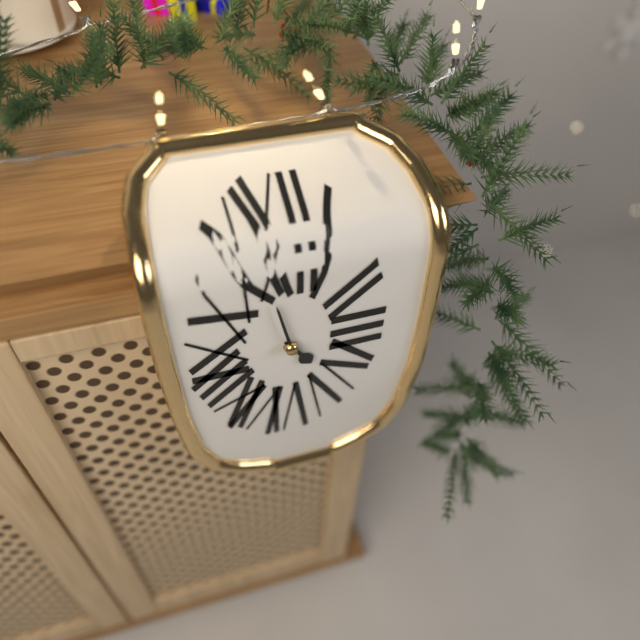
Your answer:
{"hour": 4, "minute": 58}
